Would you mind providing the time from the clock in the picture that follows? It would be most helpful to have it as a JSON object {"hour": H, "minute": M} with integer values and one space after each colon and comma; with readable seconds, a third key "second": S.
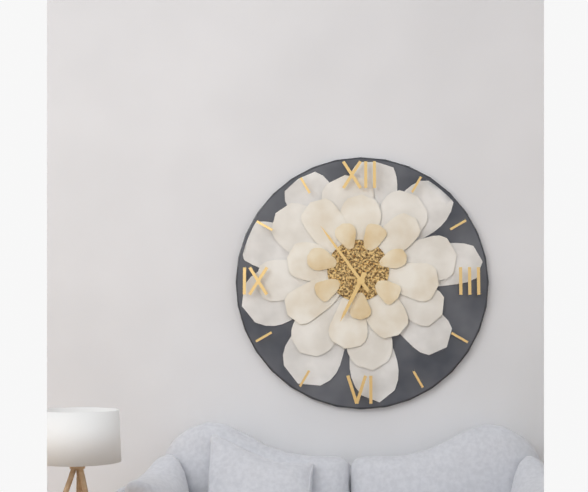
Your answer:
{"hour": 6, "minute": 54}
